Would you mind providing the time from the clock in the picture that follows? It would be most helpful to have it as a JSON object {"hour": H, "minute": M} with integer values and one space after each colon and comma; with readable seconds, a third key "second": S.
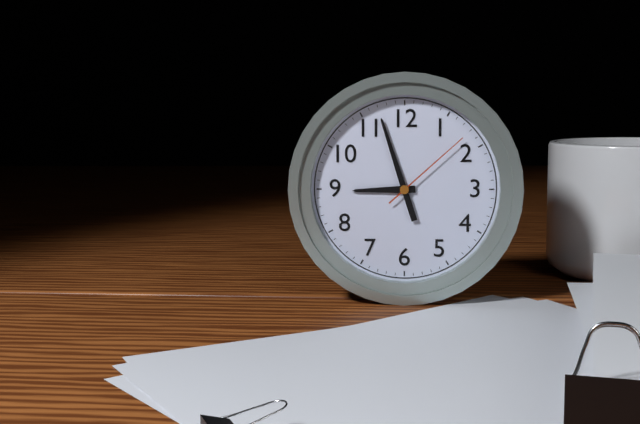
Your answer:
{"hour": 8, "minute": 57, "second": 8}
